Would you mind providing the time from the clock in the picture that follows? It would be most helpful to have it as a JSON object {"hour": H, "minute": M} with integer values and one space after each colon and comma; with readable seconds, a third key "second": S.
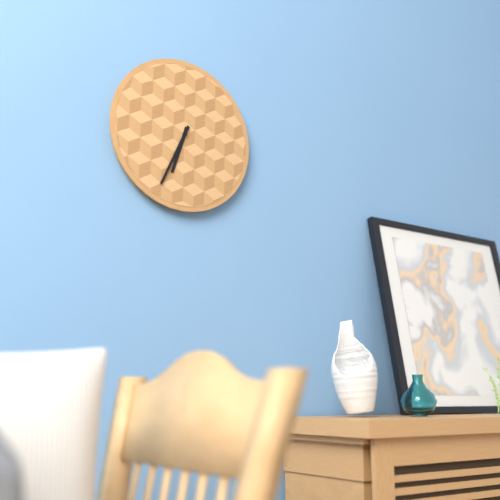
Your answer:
{"hour": 6, "minute": 34}
